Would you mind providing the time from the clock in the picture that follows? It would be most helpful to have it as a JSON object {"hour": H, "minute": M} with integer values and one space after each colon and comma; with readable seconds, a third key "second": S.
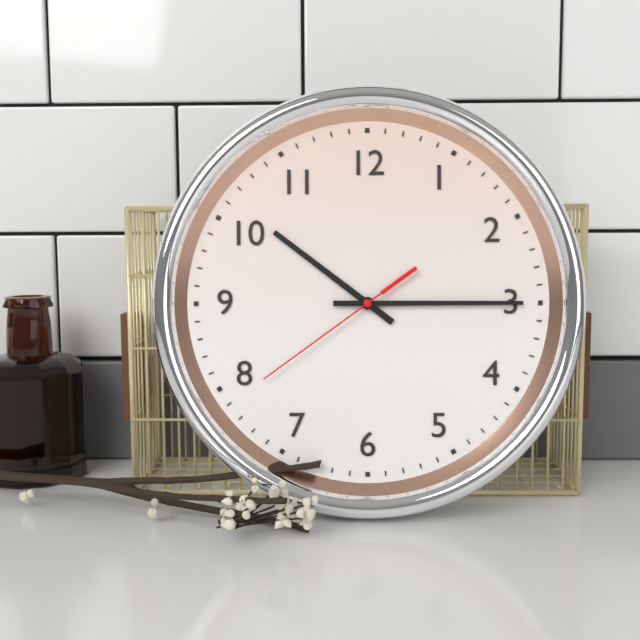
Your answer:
{"hour": 10, "minute": 15, "second": 39}
